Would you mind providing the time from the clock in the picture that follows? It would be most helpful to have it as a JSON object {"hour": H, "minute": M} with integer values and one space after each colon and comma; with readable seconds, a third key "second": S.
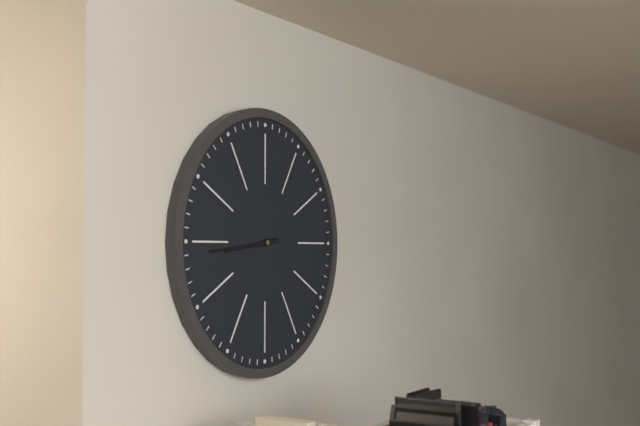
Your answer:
{"hour": 8, "minute": 44}
